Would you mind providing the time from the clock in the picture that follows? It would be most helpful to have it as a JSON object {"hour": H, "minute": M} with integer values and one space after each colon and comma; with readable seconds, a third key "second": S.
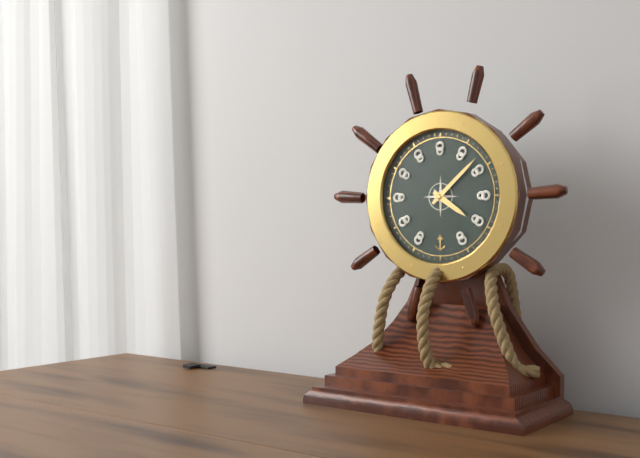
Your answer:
{"hour": 4, "minute": 8}
